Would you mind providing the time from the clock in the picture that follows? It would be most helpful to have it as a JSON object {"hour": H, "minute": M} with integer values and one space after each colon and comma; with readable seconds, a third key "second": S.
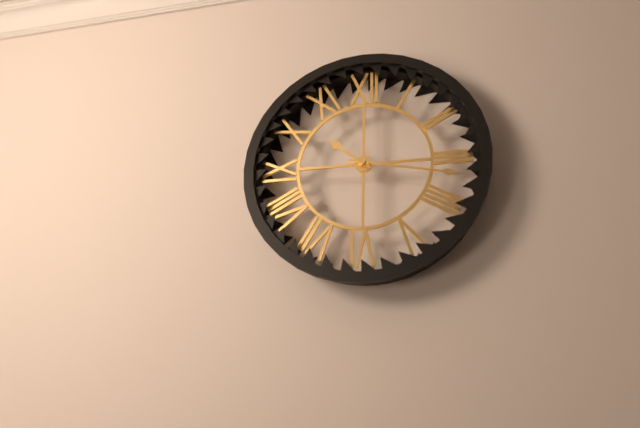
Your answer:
{"hour": 10, "minute": 17}
